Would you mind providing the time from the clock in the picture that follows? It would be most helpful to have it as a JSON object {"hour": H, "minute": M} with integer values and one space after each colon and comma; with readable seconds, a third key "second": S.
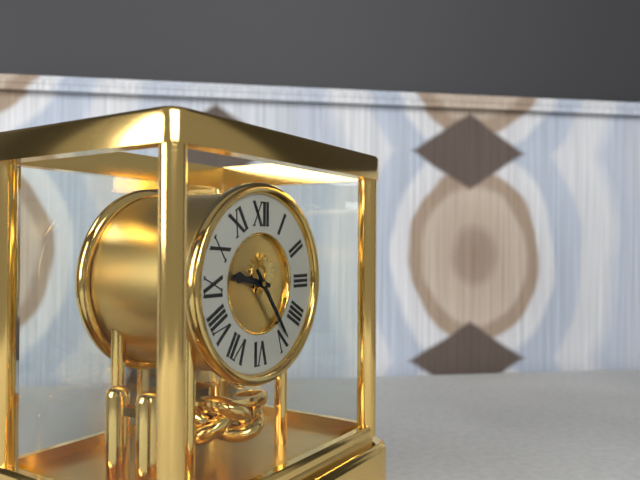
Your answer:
{"hour": 9, "minute": 24}
